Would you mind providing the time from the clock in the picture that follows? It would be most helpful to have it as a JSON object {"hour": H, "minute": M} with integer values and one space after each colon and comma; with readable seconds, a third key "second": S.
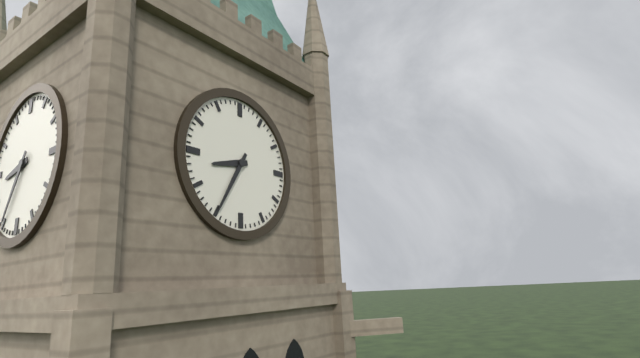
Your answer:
{"hour": 8, "minute": 35}
